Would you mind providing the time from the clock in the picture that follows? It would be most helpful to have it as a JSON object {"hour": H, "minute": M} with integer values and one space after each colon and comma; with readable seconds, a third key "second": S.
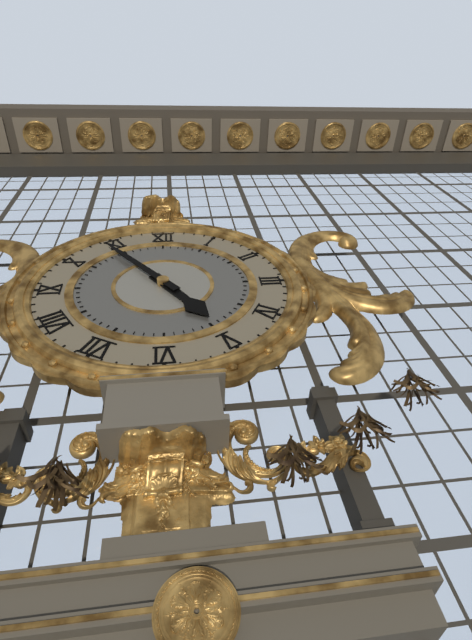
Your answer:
{"hour": 4, "minute": 54}
